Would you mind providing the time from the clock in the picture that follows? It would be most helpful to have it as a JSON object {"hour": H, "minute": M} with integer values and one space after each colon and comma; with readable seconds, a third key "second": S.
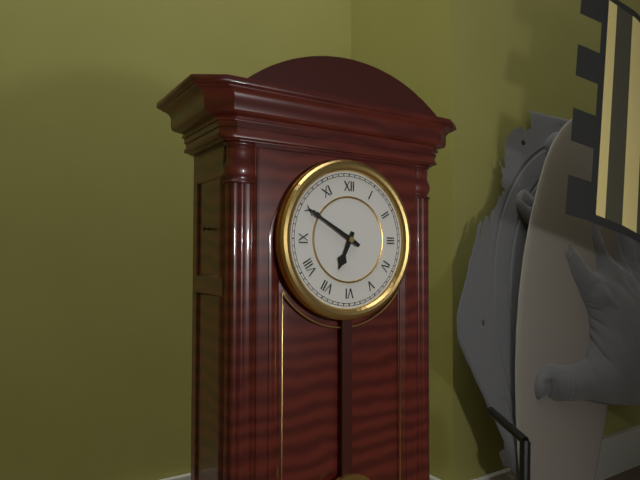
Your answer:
{"hour": 6, "minute": 50}
